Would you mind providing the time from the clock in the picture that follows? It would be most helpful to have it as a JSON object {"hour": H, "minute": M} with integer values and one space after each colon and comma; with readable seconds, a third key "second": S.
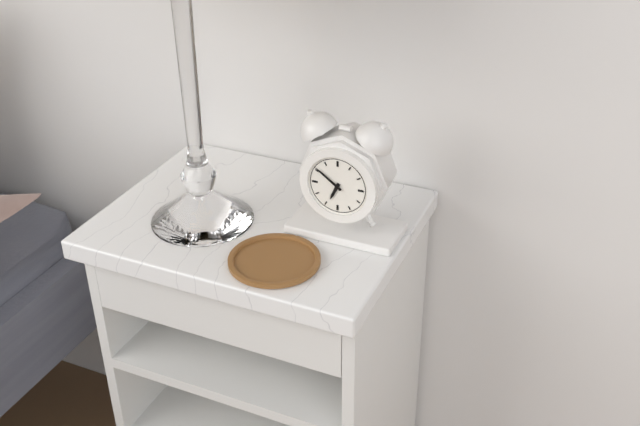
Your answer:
{"hour": 6, "minute": 51}
